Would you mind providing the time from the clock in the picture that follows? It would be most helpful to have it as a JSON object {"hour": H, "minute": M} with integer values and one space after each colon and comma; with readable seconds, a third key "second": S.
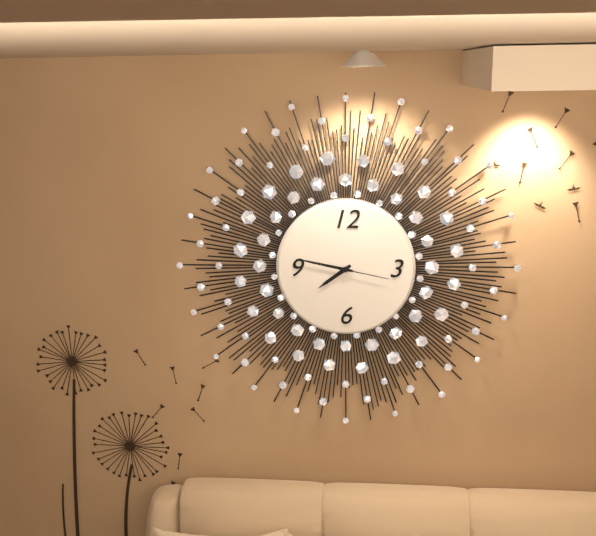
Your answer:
{"hour": 7, "minute": 47, "second": 17}
